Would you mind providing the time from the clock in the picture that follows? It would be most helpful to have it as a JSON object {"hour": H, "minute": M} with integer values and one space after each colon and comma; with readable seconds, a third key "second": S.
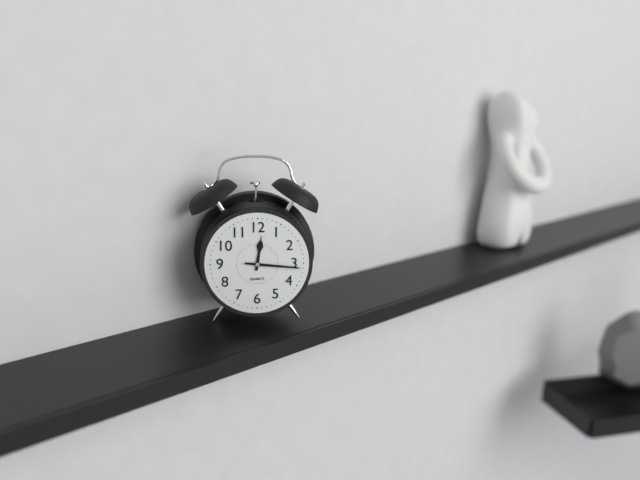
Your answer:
{"hour": 12, "minute": 16}
